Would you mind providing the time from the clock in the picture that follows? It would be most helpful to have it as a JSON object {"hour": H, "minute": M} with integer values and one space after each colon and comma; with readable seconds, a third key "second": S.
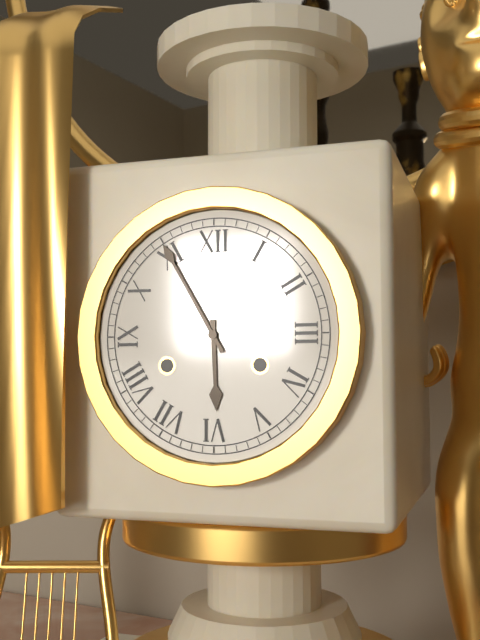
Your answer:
{"hour": 5, "minute": 55}
